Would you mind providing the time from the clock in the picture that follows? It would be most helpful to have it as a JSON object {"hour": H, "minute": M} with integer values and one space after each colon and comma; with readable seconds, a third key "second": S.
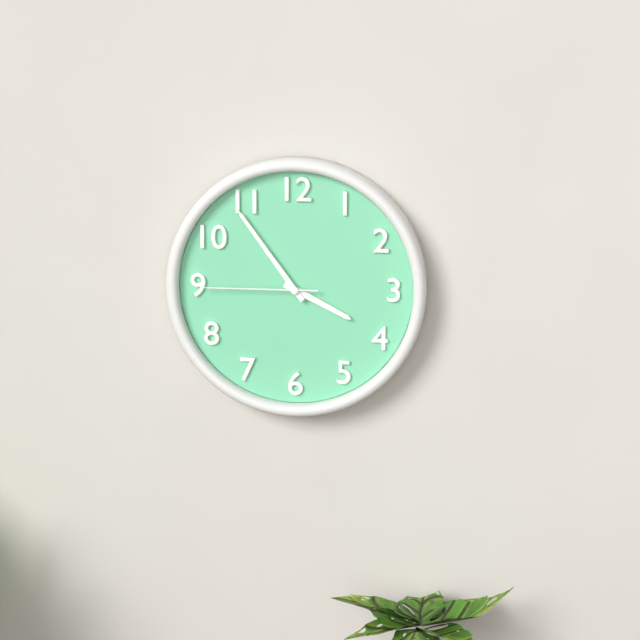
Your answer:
{"hour": 3, "minute": 54, "second": 45}
